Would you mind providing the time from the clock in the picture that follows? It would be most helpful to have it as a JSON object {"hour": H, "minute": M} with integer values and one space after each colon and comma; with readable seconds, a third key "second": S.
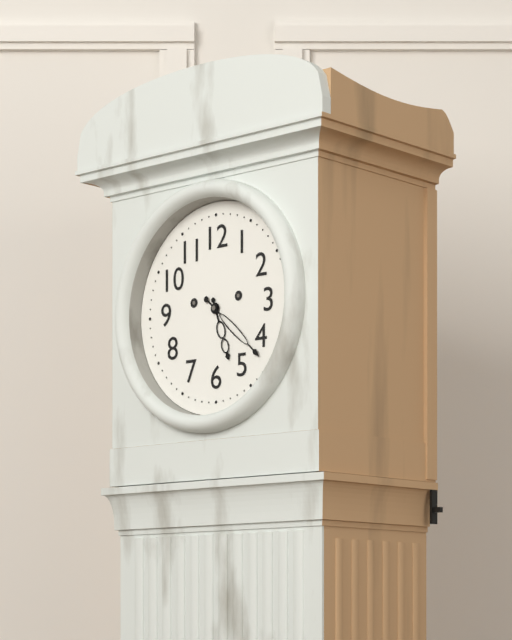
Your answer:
{"hour": 5, "minute": 22}
